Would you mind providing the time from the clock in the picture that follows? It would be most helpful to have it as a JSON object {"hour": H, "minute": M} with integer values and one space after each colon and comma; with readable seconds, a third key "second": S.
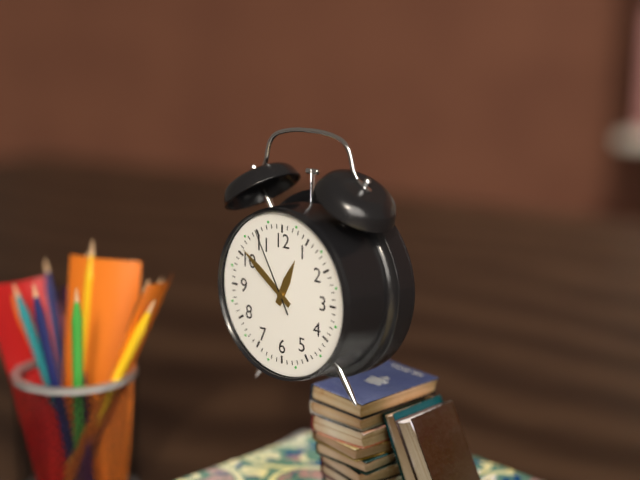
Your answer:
{"hour": 12, "minute": 51, "second": 55}
